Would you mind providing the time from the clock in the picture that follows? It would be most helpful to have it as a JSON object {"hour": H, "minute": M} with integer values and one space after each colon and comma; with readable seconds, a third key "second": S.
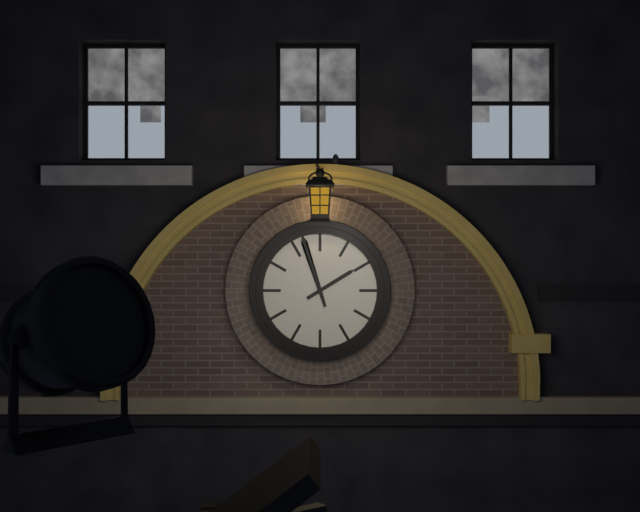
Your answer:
{"hour": 1, "minute": 57}
